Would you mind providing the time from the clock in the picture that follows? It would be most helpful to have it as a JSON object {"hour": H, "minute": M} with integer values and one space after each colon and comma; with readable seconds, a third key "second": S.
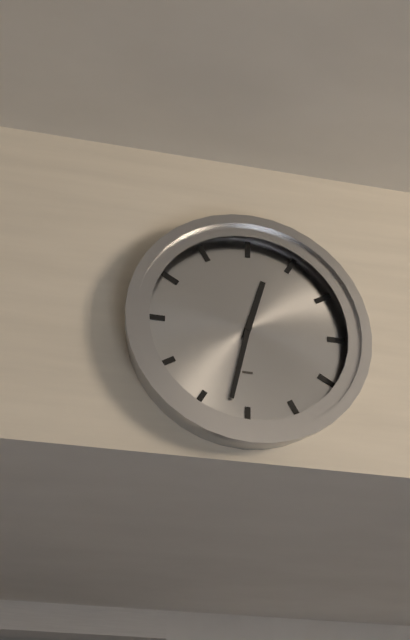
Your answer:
{"hour": 12, "minute": 32}
